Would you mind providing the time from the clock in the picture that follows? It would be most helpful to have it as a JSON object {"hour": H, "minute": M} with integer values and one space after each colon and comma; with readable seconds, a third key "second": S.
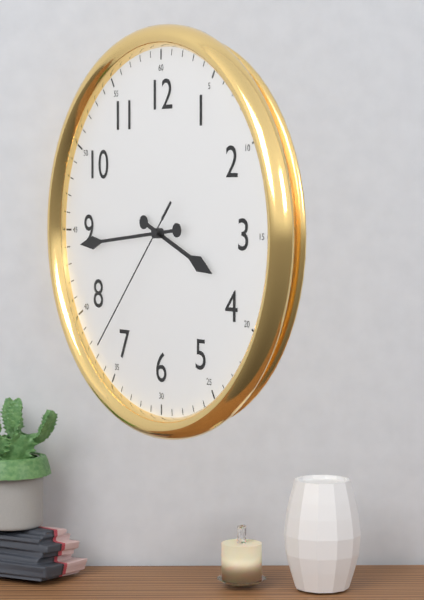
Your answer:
{"hour": 3, "minute": 44, "second": 37}
